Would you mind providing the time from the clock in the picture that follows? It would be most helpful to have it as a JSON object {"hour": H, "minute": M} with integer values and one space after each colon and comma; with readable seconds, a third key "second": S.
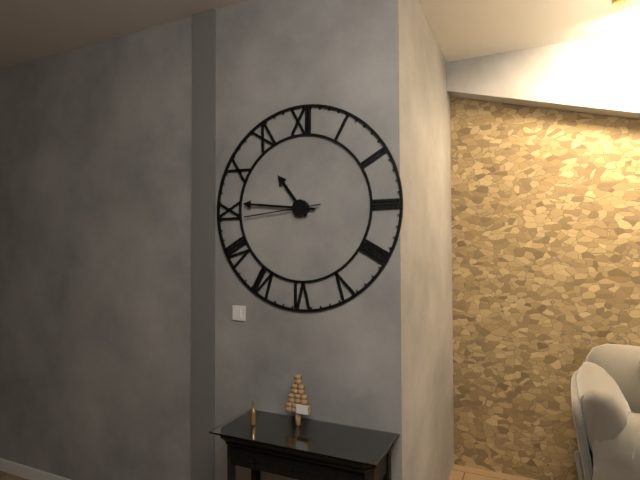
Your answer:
{"hour": 10, "minute": 46, "second": 44}
